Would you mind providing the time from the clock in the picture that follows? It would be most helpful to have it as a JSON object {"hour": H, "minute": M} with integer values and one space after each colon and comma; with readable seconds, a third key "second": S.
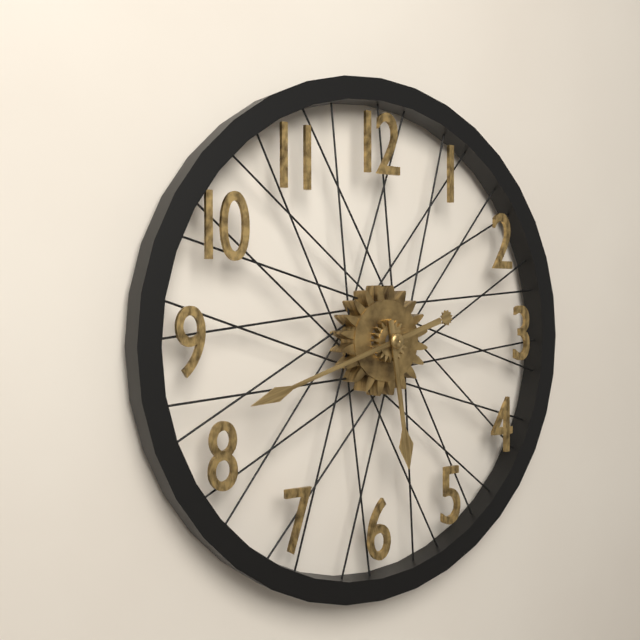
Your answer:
{"hour": 5, "minute": 42}
